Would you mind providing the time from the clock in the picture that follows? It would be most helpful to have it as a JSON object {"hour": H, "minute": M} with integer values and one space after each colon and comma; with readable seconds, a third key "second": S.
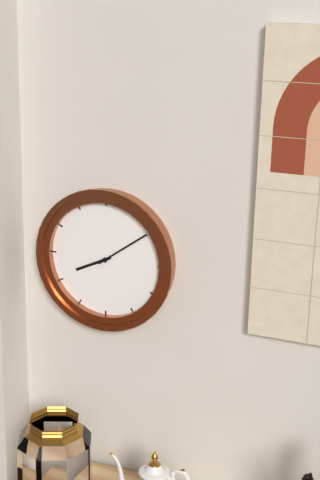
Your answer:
{"hour": 8, "minute": 9}
